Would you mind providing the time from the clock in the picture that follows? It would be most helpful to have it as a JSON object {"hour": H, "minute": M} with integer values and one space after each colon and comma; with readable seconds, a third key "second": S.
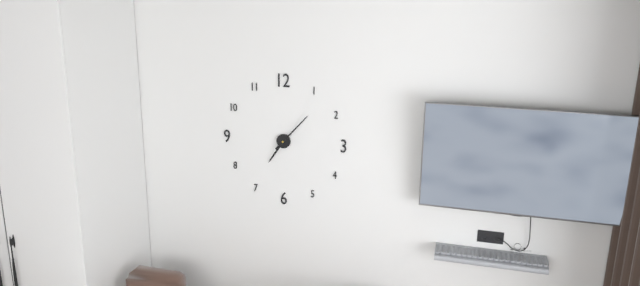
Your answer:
{"hour": 7, "minute": 7}
